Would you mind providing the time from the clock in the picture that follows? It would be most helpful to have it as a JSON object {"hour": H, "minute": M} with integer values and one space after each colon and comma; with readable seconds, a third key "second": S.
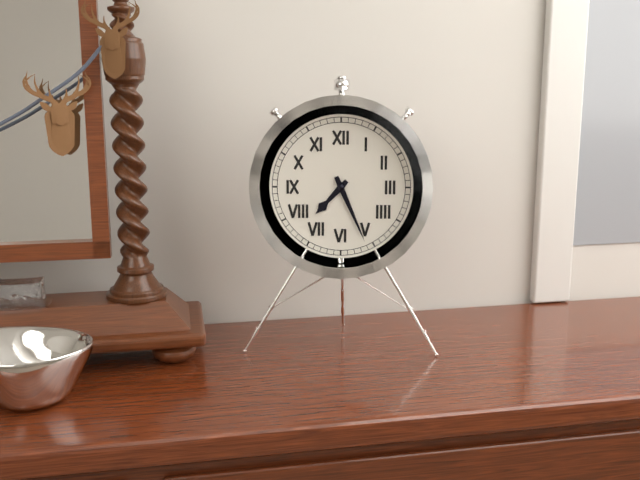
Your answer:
{"hour": 7, "minute": 26}
